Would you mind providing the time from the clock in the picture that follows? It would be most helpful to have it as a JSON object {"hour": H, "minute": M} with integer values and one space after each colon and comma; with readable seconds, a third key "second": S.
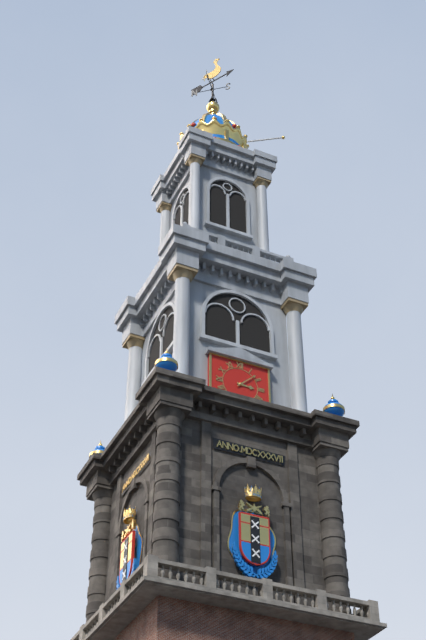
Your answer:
{"hour": 3, "minute": 8}
